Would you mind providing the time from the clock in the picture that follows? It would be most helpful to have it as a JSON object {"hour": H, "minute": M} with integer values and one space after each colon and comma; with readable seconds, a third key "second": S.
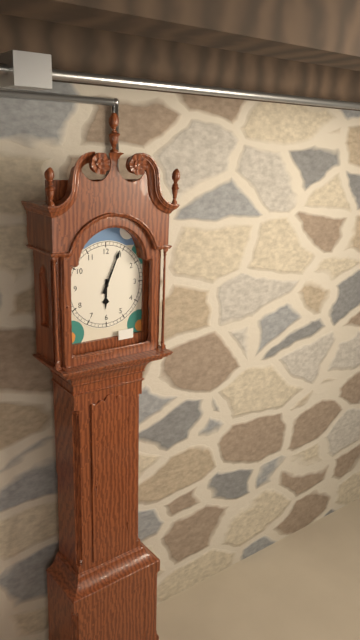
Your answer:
{"hour": 6, "minute": 4}
